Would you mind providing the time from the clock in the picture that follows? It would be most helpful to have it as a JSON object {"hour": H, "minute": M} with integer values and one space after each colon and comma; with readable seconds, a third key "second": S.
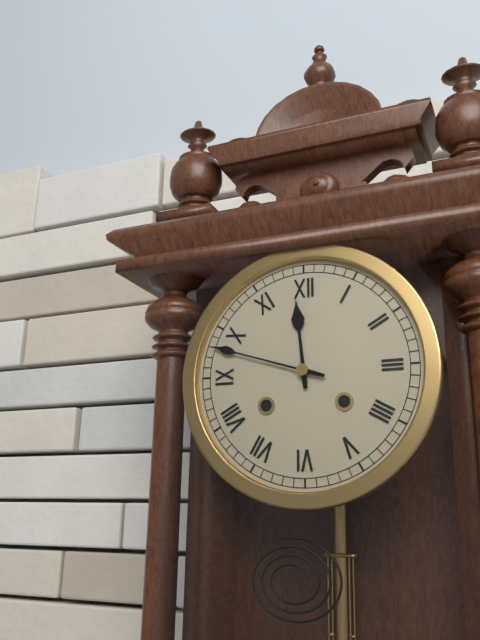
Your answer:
{"hour": 11, "minute": 48}
